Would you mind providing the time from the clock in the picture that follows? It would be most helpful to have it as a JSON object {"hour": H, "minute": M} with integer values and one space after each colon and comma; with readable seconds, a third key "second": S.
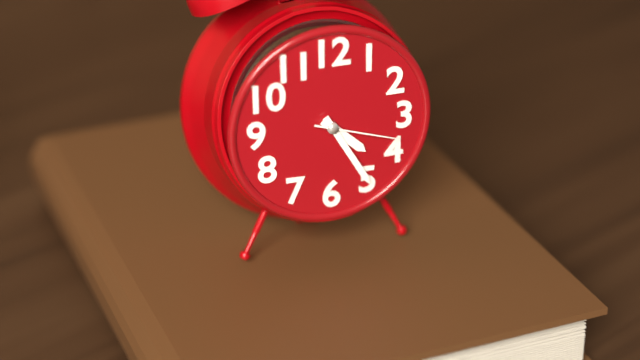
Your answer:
{"hour": 4, "minute": 25, "second": 18}
